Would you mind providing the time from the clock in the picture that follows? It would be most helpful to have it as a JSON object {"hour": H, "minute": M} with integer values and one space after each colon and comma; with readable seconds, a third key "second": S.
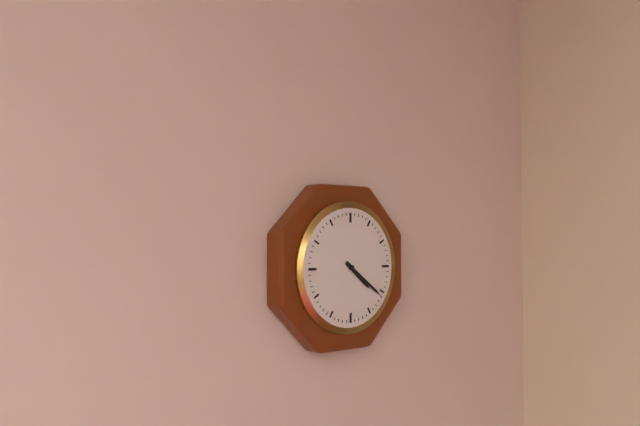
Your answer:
{"hour": 4, "minute": 21}
